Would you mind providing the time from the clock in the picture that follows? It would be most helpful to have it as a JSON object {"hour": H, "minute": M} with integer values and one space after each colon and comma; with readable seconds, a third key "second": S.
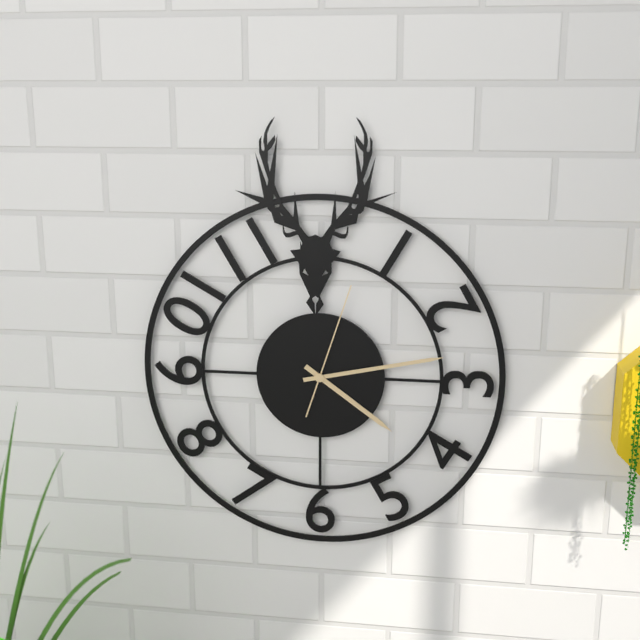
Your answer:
{"hour": 4, "minute": 13, "second": 3}
